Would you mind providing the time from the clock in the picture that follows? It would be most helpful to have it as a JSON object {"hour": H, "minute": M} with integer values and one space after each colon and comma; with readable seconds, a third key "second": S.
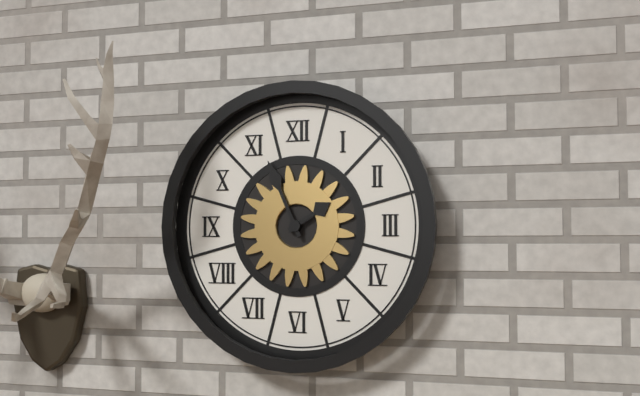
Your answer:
{"hour": 1, "minute": 56}
